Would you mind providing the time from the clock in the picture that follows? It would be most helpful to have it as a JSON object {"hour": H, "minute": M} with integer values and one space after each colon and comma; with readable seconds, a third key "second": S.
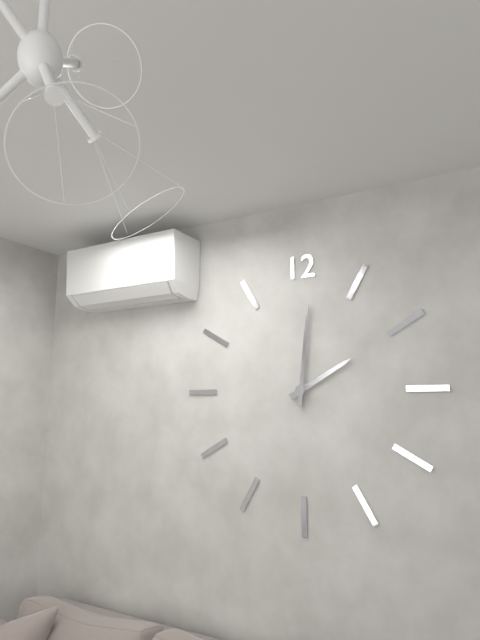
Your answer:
{"hour": 2, "minute": 1}
